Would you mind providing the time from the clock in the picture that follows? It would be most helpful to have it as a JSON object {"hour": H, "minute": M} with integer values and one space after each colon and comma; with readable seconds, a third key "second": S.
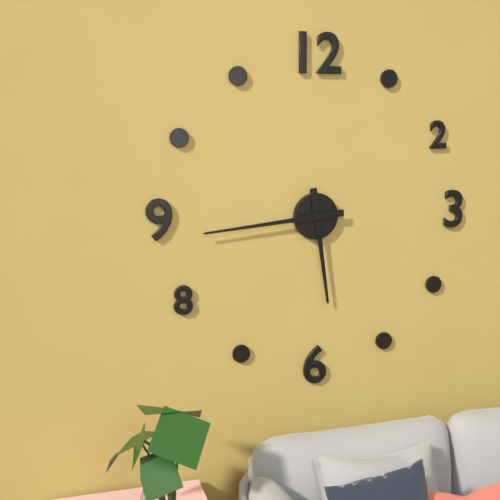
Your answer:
{"hour": 5, "minute": 44}
